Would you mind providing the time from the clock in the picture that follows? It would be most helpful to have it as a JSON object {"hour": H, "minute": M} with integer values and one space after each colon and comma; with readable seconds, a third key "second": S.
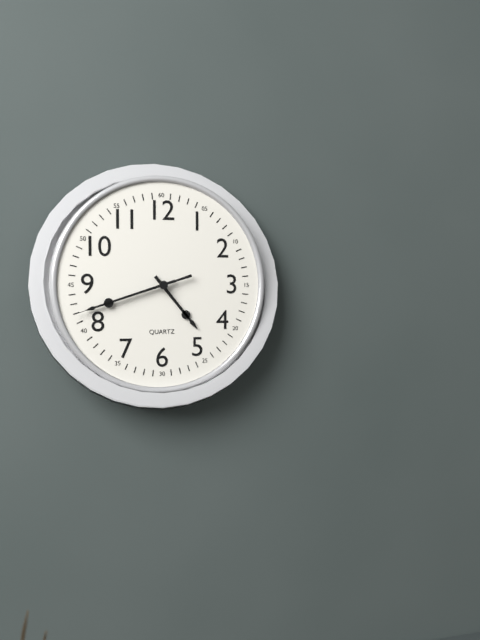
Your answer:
{"hour": 4, "minute": 42, "second": 42}
